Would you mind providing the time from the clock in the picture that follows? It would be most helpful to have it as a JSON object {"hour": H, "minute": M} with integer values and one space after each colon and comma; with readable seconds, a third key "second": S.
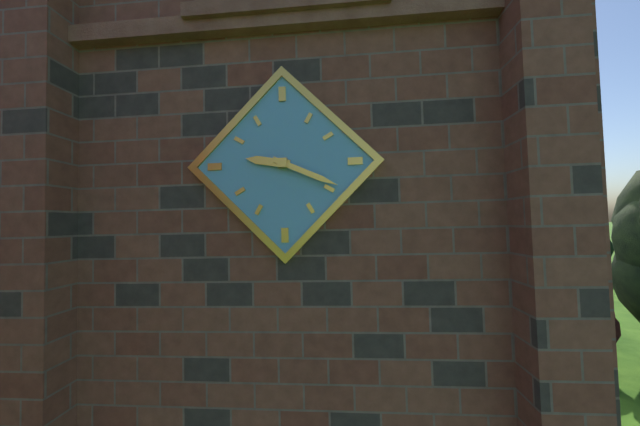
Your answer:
{"hour": 9, "minute": 19}
